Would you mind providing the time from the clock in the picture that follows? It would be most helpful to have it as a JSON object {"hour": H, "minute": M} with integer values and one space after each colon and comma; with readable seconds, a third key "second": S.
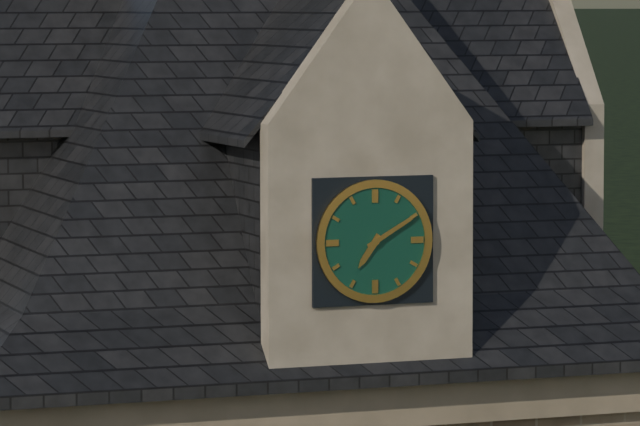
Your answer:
{"hour": 7, "minute": 10}
